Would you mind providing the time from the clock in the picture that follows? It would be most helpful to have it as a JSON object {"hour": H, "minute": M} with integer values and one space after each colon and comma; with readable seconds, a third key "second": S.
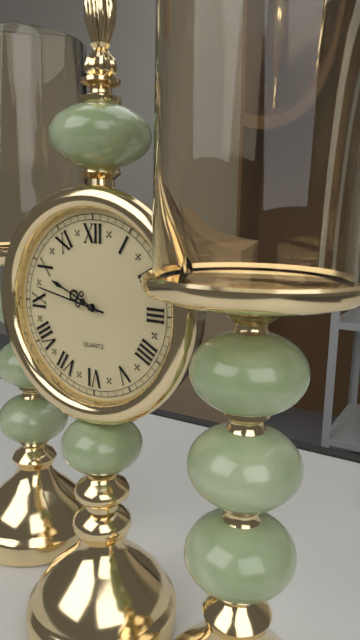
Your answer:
{"hour": 9, "minute": 47}
